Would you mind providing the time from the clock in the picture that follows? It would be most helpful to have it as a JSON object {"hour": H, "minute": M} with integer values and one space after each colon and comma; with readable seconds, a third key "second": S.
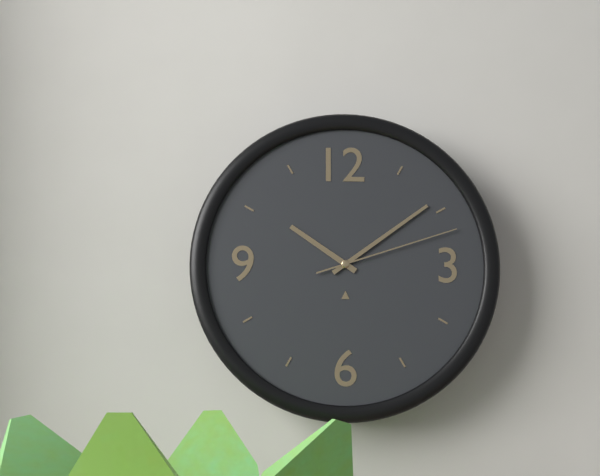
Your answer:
{"hour": 10, "minute": 9, "second": 12}
